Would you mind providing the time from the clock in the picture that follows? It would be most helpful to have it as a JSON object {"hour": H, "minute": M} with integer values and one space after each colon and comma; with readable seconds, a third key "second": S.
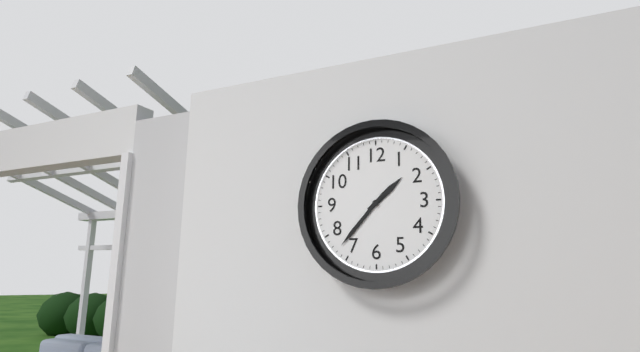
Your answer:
{"hour": 1, "minute": 37}
